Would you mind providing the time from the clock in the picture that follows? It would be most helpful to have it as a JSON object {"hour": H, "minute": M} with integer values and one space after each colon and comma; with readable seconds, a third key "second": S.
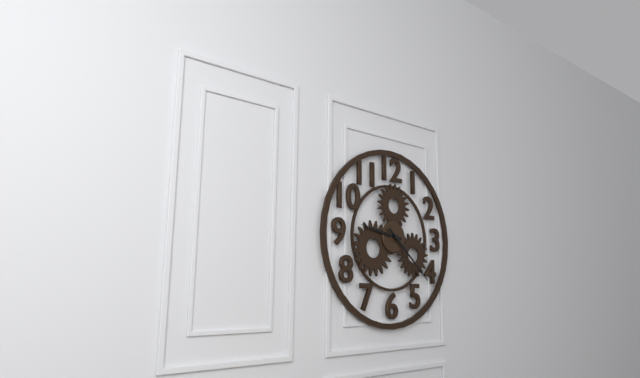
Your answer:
{"hour": 9, "minute": 22}
